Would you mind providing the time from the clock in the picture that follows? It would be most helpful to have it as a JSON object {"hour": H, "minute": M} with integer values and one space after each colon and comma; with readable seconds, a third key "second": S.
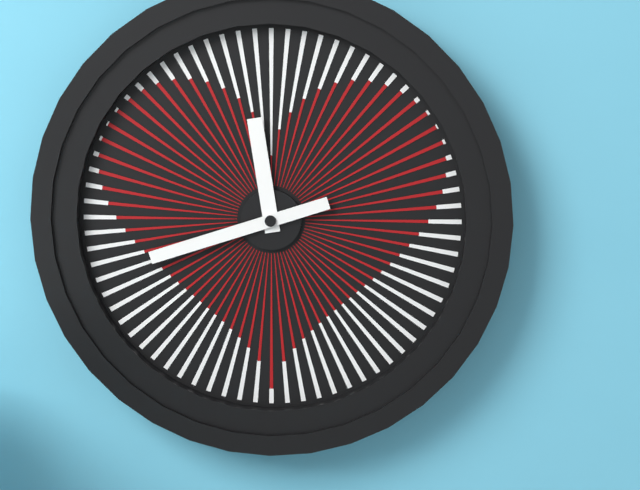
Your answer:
{"hour": 11, "minute": 42}
